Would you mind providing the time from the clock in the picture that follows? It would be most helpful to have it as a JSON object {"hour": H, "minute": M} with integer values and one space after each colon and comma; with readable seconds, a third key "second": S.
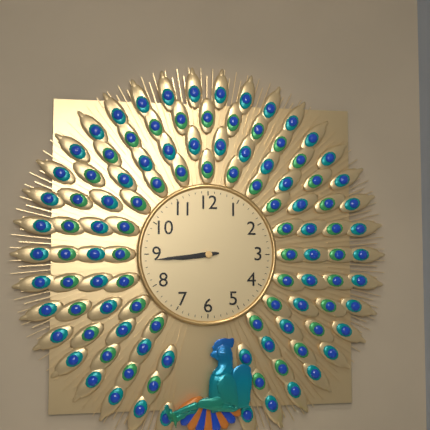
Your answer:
{"hour": 8, "minute": 44}
